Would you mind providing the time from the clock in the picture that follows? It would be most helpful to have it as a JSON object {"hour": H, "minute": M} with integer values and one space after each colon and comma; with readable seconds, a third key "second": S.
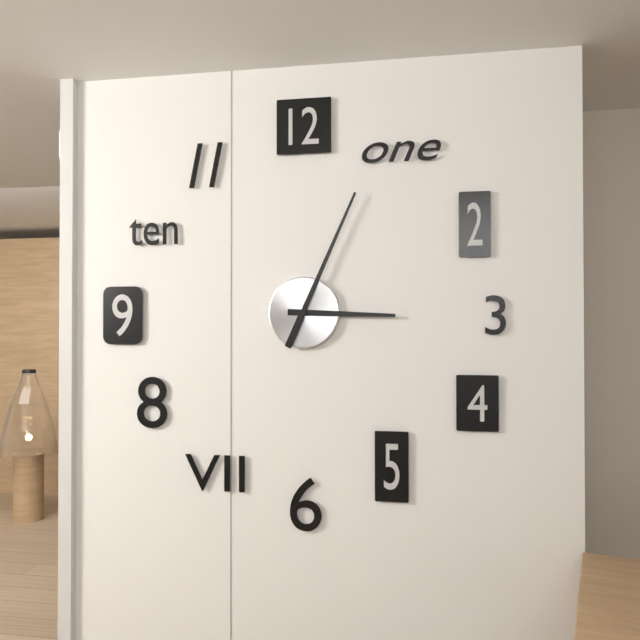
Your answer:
{"hour": 3, "minute": 4}
